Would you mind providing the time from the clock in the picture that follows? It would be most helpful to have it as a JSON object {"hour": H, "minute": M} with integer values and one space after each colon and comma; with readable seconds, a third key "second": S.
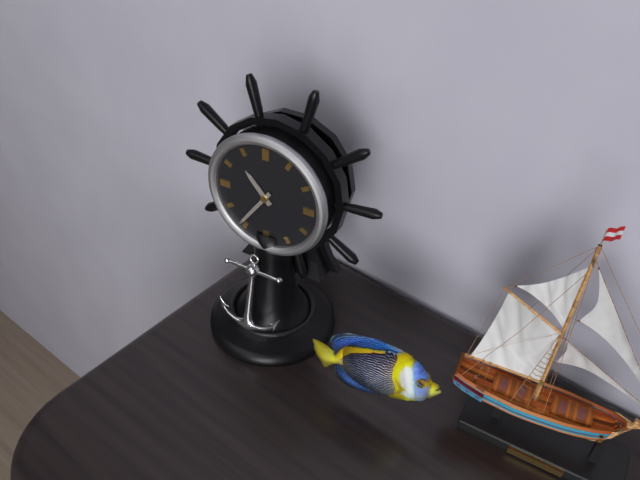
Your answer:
{"hour": 10, "minute": 36}
